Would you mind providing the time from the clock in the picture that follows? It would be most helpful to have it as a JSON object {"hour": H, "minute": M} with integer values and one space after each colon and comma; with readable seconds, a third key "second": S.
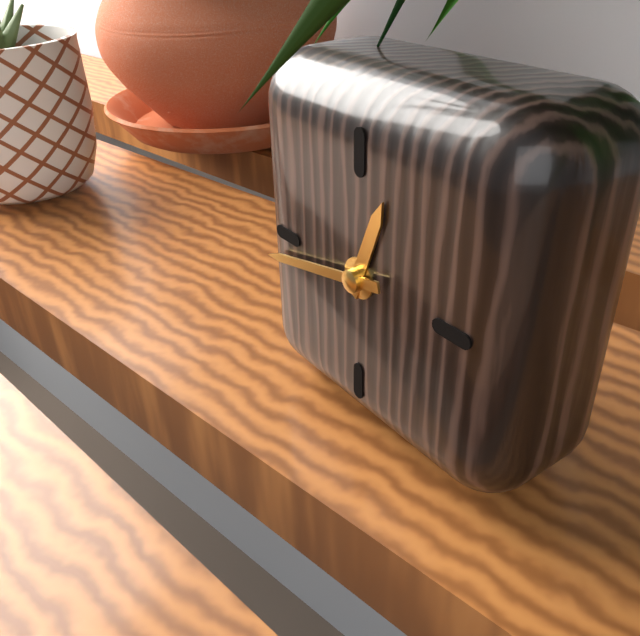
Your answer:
{"hour": 12, "minute": 43}
